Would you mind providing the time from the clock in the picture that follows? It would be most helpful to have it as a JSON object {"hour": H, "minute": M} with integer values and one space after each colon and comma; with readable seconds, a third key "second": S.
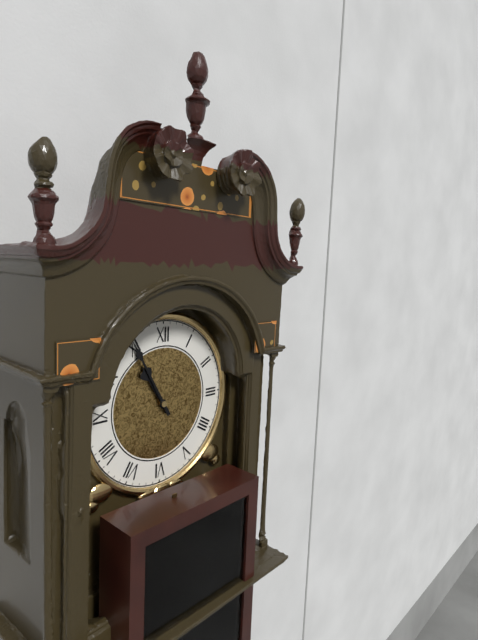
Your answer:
{"hour": 10, "minute": 55}
